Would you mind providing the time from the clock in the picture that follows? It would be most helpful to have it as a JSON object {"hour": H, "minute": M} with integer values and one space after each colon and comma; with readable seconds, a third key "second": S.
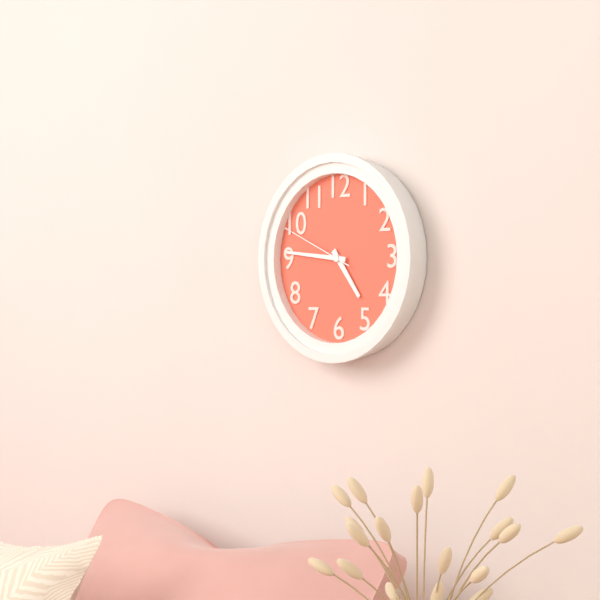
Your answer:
{"hour": 4, "minute": 46, "second": 49}
